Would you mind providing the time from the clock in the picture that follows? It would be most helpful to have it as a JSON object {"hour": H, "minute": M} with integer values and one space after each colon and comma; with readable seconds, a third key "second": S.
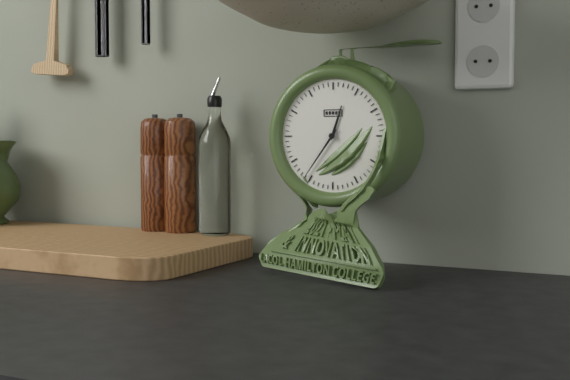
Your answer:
{"hour": 12, "minute": 36}
